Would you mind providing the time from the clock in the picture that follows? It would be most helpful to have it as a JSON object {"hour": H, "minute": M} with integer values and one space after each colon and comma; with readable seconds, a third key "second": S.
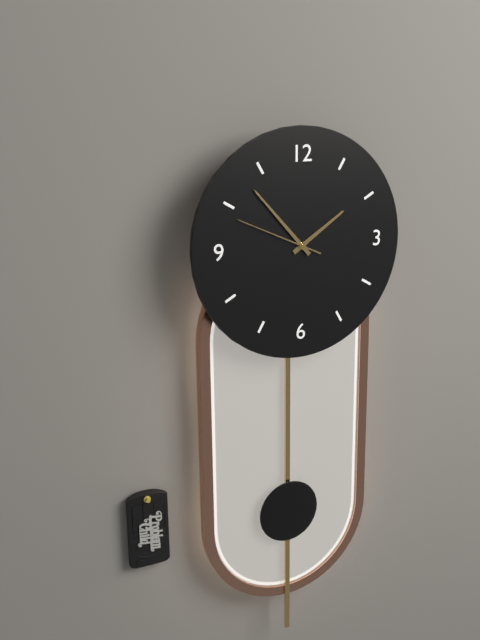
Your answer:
{"hour": 1, "minute": 53, "second": 49}
